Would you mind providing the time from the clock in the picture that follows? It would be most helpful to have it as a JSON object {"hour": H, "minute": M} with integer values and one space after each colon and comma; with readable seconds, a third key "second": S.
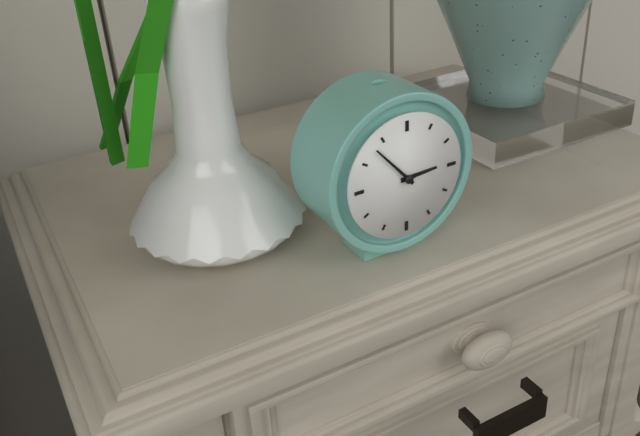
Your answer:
{"hour": 2, "minute": 53}
